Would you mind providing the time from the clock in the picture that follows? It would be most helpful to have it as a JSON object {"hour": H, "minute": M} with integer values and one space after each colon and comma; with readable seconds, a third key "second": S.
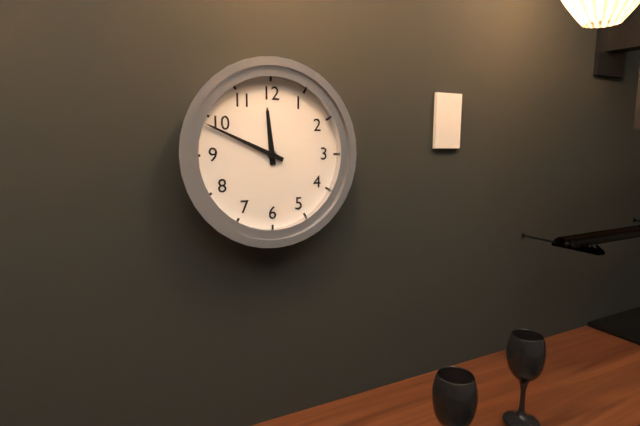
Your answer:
{"hour": 11, "minute": 49}
